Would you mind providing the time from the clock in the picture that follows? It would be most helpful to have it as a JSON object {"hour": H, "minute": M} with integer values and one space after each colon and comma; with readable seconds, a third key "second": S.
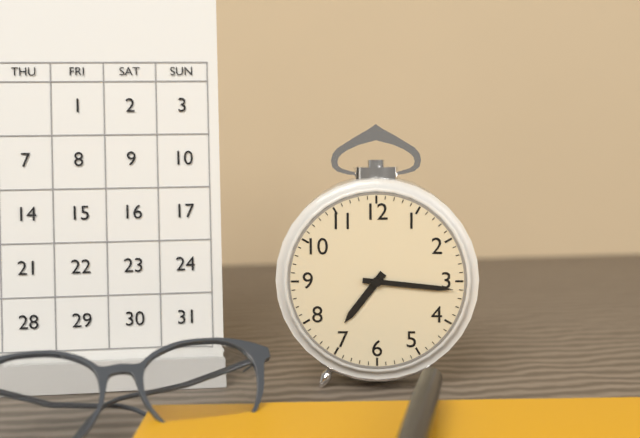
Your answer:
{"hour": 7, "minute": 16}
